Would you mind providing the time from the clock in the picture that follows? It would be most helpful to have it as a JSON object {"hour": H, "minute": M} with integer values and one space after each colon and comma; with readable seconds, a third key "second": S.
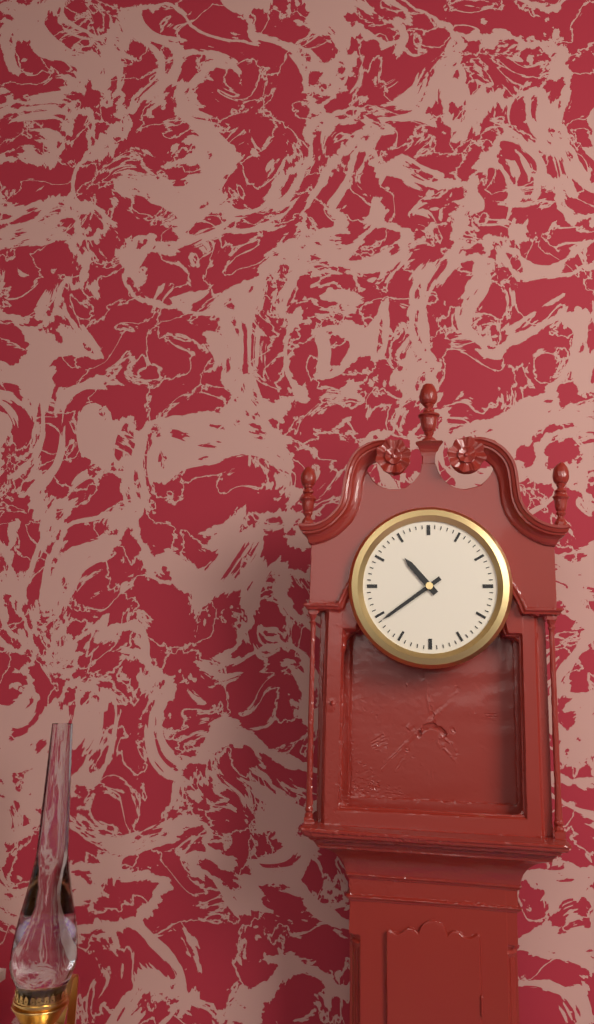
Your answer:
{"hour": 10, "minute": 39}
